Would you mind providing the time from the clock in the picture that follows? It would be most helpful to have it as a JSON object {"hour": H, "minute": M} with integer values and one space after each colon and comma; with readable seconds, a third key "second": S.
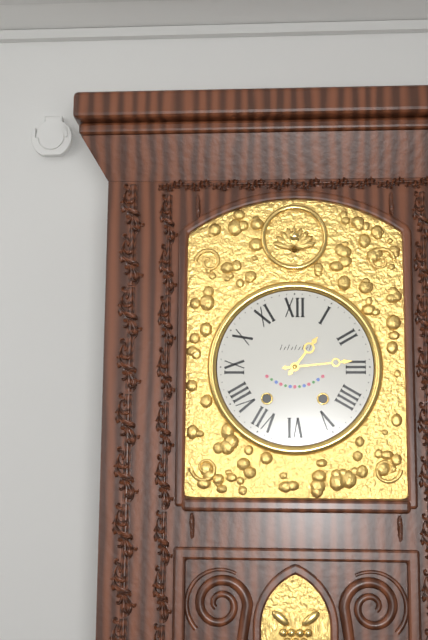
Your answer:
{"hour": 1, "minute": 14}
